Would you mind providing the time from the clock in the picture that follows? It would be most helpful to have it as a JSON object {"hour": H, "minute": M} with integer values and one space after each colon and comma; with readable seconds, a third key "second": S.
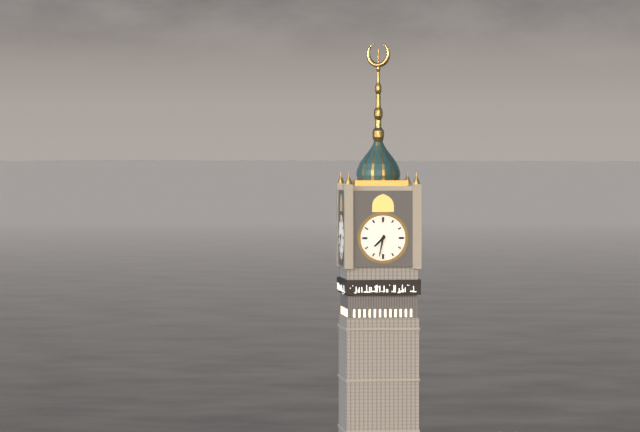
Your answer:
{"hour": 7, "minute": 32}
